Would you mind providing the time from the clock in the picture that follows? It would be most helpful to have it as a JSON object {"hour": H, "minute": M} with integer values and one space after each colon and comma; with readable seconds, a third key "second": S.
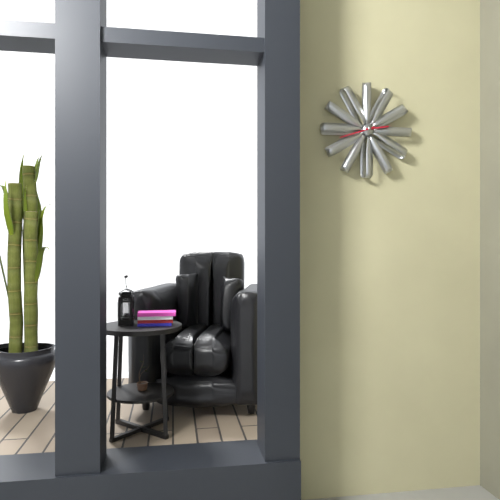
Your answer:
{"hour": 2, "minute": 42}
